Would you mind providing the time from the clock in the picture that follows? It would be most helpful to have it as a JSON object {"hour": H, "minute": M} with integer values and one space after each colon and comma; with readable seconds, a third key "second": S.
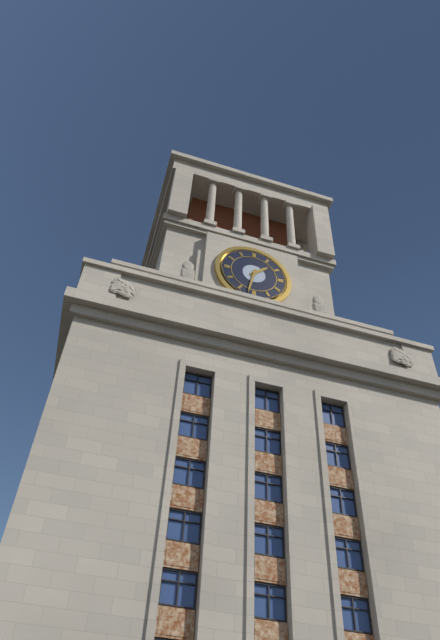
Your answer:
{"hour": 1, "minute": 32}
